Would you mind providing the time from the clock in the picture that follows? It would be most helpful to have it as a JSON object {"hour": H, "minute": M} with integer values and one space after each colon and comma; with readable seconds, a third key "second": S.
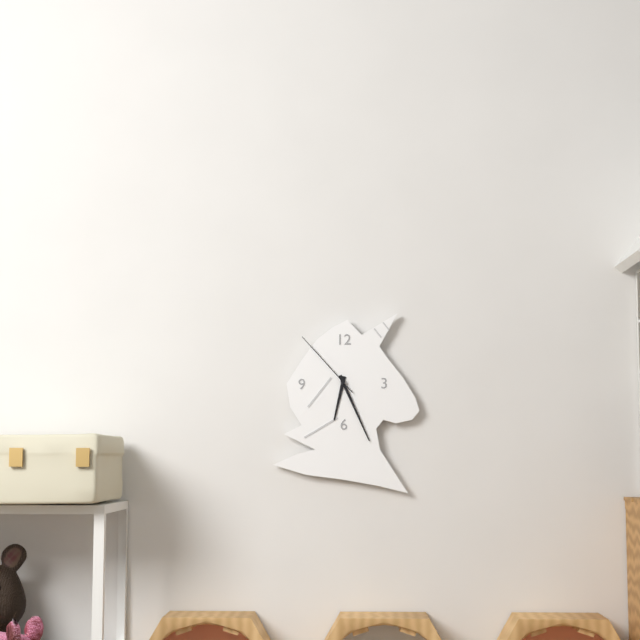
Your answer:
{"hour": 6, "minute": 26, "second": 53}
